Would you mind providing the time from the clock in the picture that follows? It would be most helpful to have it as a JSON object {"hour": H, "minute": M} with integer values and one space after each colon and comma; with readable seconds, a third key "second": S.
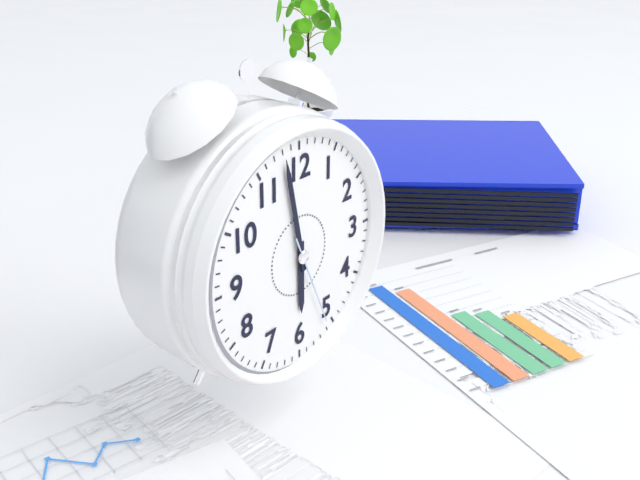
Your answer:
{"hour": 5, "minute": 58, "second": 26}
